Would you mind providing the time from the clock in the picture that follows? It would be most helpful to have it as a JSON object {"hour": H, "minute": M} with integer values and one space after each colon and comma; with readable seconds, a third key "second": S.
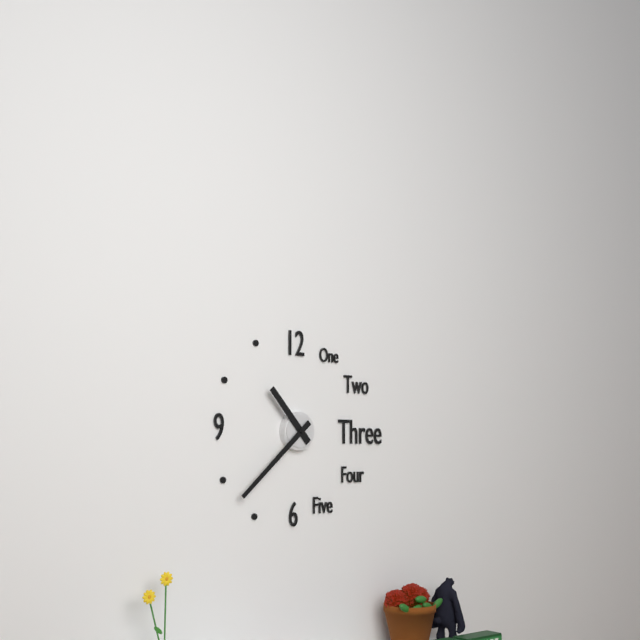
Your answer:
{"hour": 10, "minute": 38}
